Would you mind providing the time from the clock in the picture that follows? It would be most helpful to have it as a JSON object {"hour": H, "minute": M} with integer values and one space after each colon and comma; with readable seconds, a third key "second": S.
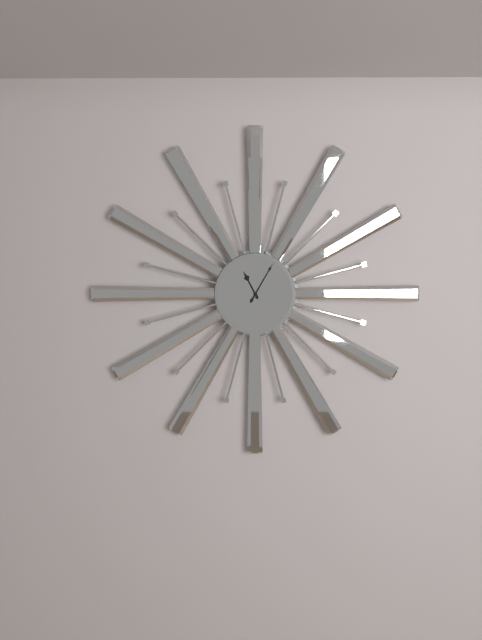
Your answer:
{"hour": 11, "minute": 5}
